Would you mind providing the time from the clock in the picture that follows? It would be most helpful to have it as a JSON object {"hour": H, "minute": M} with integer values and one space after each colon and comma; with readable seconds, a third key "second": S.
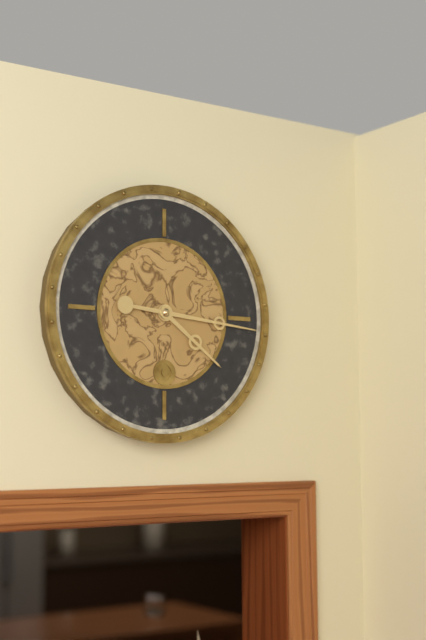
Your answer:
{"hour": 4, "minute": 16}
